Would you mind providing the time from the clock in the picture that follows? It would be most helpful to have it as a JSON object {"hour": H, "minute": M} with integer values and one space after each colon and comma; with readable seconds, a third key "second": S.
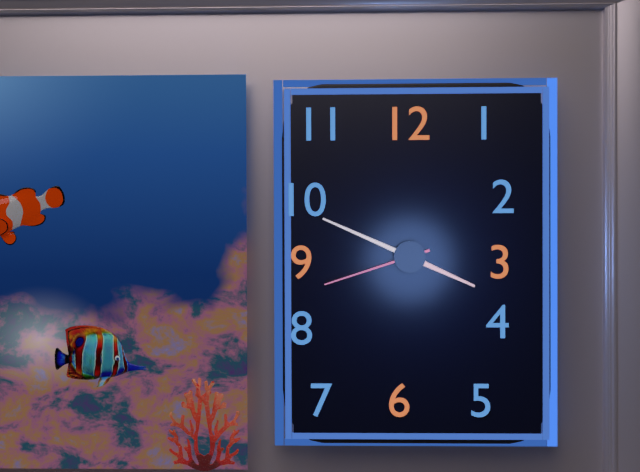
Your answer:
{"hour": 3, "minute": 49, "second": 42}
